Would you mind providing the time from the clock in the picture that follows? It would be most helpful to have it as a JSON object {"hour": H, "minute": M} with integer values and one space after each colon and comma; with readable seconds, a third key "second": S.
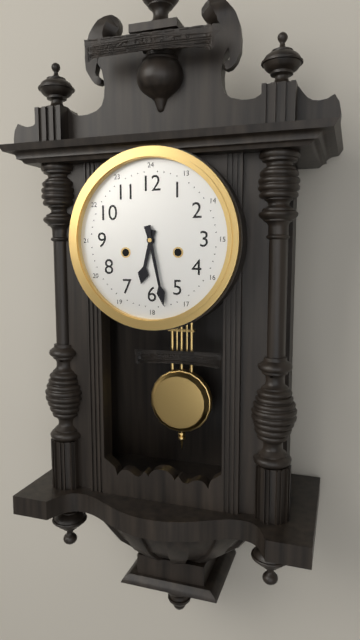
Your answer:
{"hour": 6, "minute": 28}
